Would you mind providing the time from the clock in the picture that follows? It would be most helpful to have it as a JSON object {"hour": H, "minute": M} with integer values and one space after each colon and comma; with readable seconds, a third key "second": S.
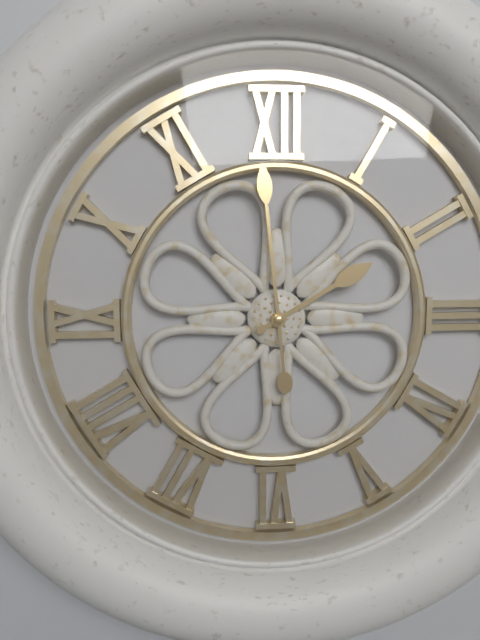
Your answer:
{"hour": 1, "minute": 59}
